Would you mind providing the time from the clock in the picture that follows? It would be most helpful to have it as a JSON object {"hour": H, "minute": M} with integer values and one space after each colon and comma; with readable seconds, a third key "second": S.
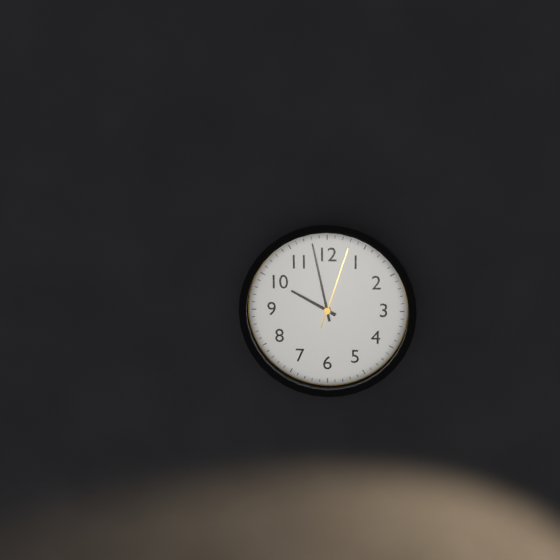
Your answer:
{"hour": 9, "minute": 58, "second": 3}
